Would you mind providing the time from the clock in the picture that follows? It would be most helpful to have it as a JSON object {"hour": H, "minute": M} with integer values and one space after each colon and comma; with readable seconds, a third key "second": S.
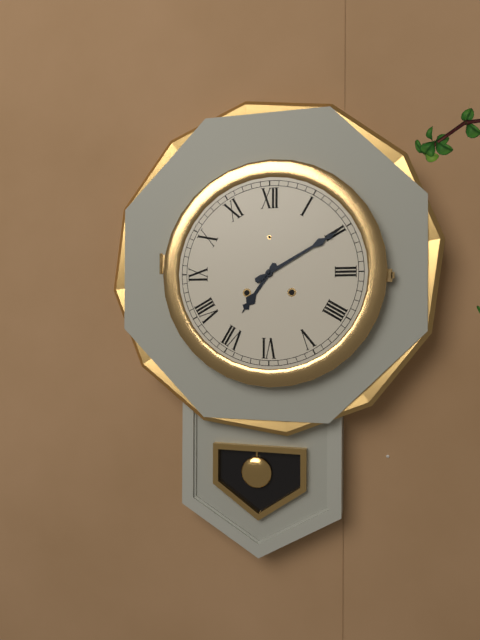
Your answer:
{"hour": 7, "minute": 10}
